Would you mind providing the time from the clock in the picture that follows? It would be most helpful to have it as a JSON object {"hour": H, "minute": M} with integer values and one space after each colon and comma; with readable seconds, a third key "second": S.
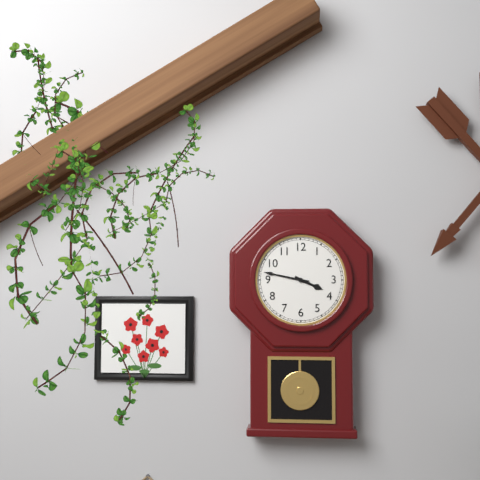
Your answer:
{"hour": 3, "minute": 47}
